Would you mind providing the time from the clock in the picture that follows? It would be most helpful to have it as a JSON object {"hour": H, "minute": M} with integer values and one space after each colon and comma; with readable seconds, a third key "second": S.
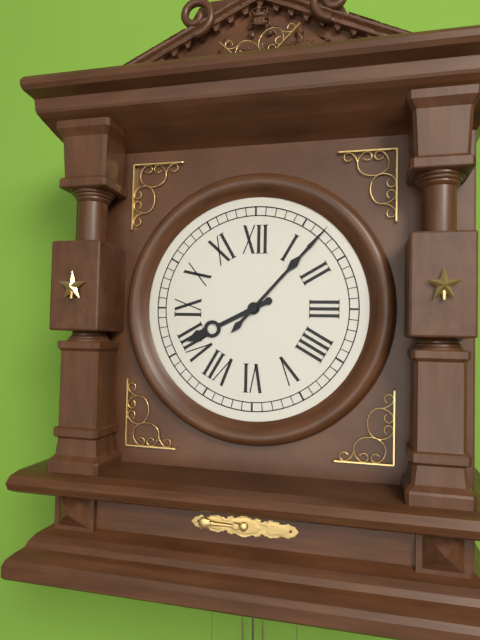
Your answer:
{"hour": 8, "minute": 7}
